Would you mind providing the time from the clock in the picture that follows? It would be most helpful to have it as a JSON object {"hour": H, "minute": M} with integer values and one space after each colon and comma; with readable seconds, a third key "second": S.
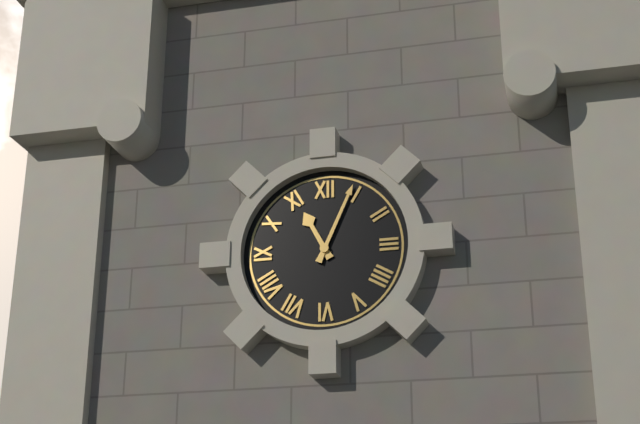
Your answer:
{"hour": 11, "minute": 4}
